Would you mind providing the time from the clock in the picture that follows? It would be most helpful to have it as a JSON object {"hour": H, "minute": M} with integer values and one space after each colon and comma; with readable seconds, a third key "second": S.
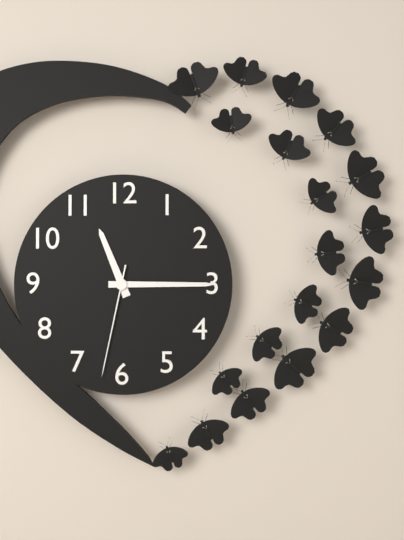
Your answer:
{"hour": 11, "minute": 15, "second": 32}
